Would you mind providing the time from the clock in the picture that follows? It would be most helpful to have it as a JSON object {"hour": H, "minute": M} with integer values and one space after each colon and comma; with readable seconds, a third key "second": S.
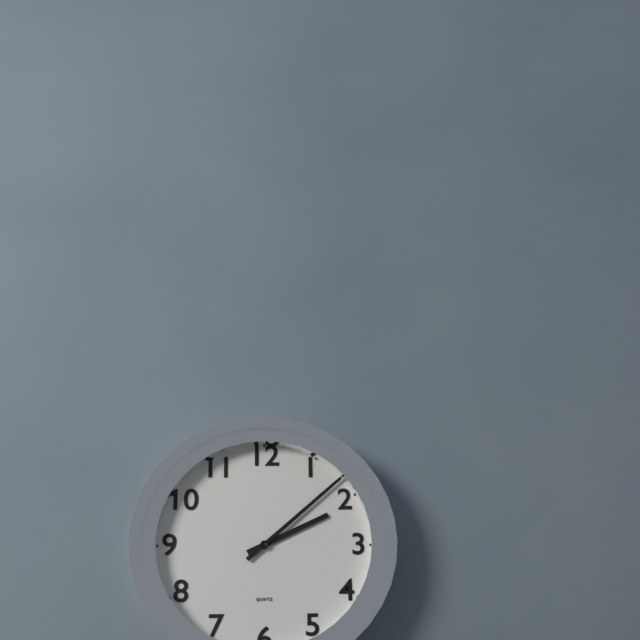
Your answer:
{"hour": 2, "minute": 8}
